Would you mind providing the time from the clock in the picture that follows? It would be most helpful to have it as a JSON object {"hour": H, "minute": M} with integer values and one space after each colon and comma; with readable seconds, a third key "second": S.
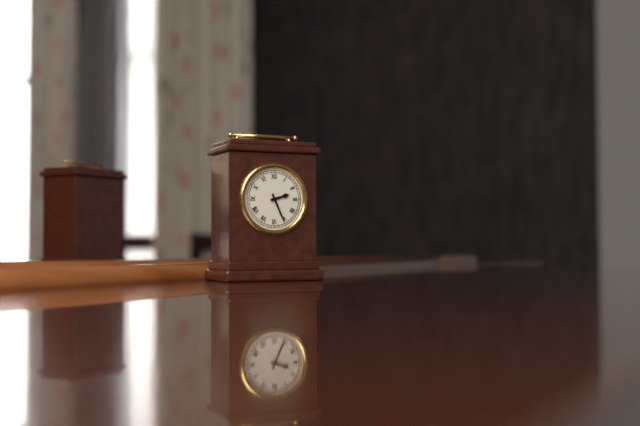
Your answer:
{"hour": 2, "minute": 26}
